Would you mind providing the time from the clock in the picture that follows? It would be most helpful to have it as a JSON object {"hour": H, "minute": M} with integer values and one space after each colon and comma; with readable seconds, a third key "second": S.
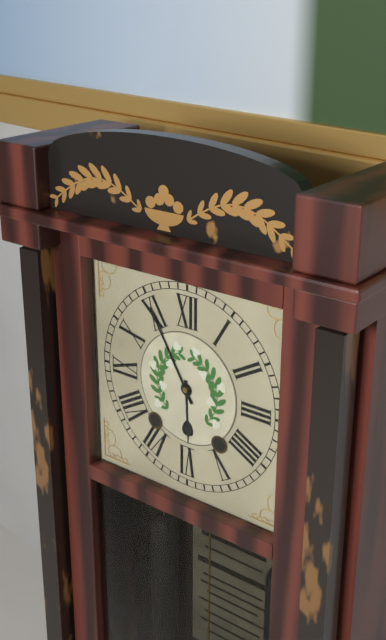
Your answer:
{"hour": 5, "minute": 55}
